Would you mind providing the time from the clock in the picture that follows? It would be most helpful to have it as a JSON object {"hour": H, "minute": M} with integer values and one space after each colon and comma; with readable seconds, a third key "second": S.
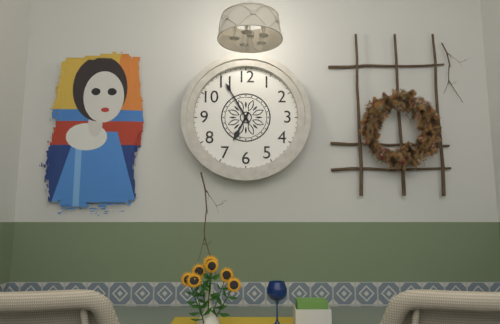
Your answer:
{"hour": 6, "minute": 55}
